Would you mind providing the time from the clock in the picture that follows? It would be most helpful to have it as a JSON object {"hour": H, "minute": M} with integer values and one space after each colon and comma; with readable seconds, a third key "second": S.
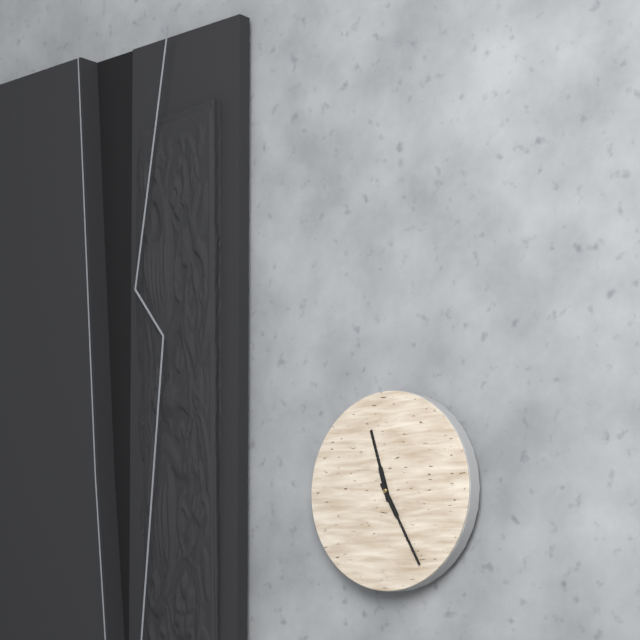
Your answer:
{"hour": 11, "minute": 25}
